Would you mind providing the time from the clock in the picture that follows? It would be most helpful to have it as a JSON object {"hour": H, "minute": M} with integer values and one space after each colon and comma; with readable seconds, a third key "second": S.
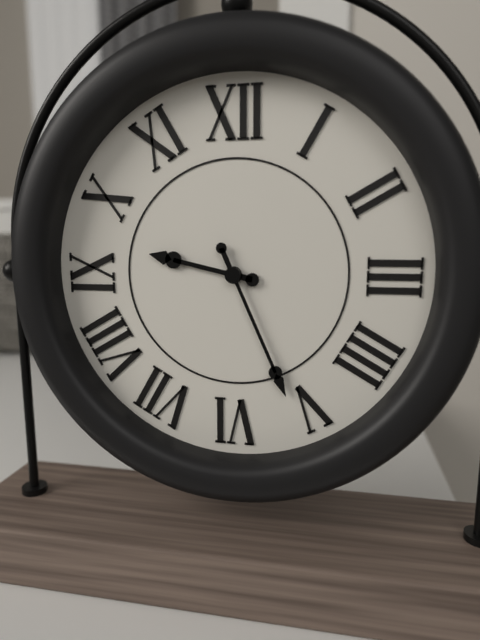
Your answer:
{"hour": 9, "minute": 26}
